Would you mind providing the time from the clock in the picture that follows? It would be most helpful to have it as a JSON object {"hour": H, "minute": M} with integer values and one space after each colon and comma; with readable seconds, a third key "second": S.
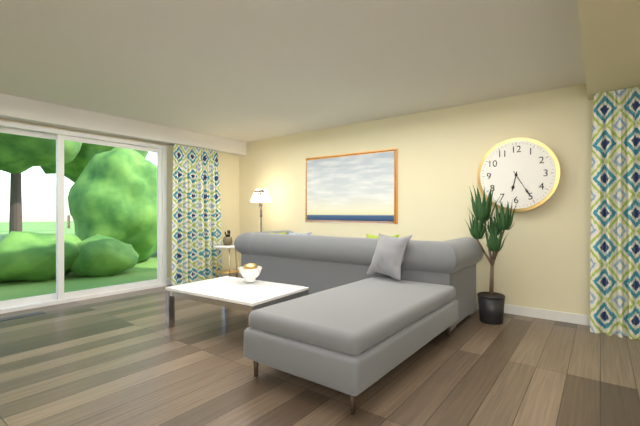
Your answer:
{"hour": 6, "minute": 25}
